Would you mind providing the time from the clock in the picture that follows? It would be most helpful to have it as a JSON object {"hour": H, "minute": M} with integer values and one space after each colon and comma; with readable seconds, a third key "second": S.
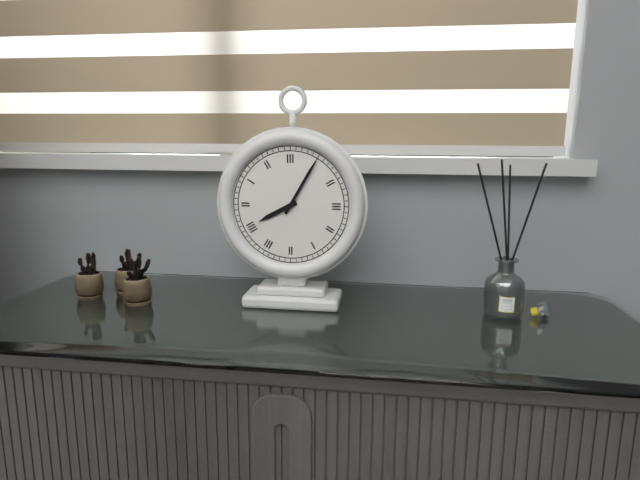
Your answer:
{"hour": 8, "minute": 5}
